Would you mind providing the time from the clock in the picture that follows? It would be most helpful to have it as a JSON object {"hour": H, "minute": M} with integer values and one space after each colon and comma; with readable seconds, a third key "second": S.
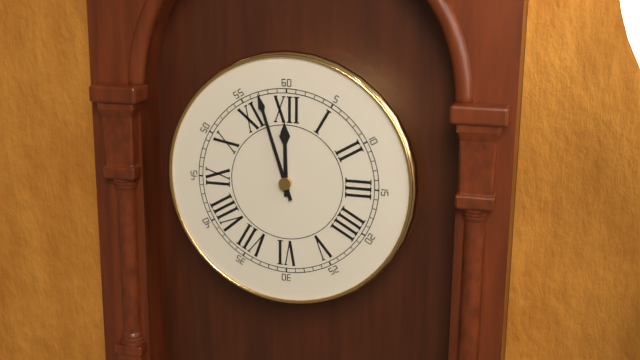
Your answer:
{"hour": 11, "minute": 57}
